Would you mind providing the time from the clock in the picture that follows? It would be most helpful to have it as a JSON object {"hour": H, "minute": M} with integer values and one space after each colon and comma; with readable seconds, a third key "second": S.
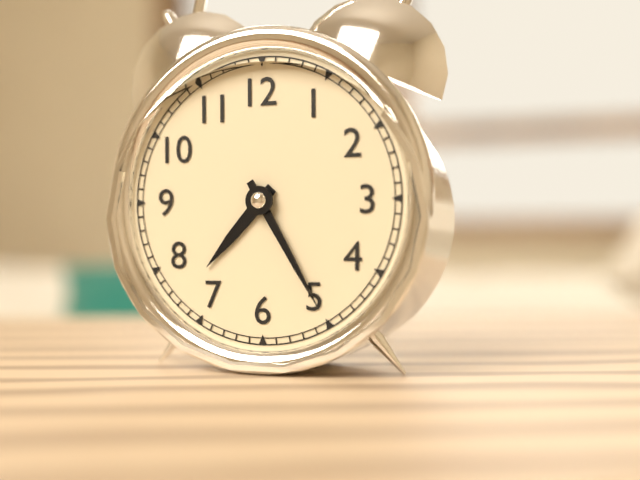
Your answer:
{"hour": 7, "minute": 25}
